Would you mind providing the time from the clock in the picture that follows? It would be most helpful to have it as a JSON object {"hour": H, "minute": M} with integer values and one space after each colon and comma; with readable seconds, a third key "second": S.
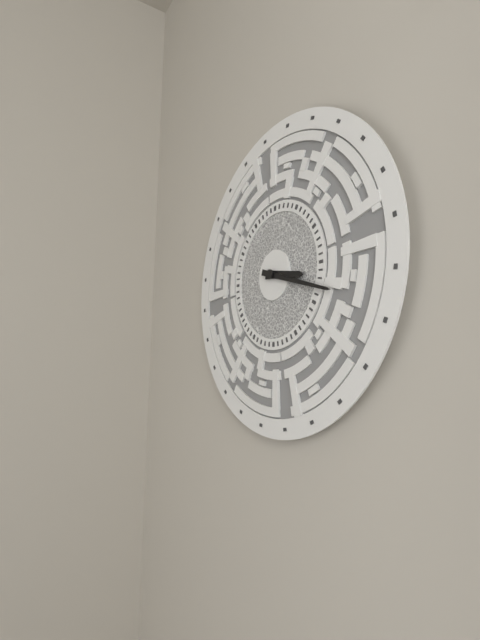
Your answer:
{"hour": 3, "minute": 18}
